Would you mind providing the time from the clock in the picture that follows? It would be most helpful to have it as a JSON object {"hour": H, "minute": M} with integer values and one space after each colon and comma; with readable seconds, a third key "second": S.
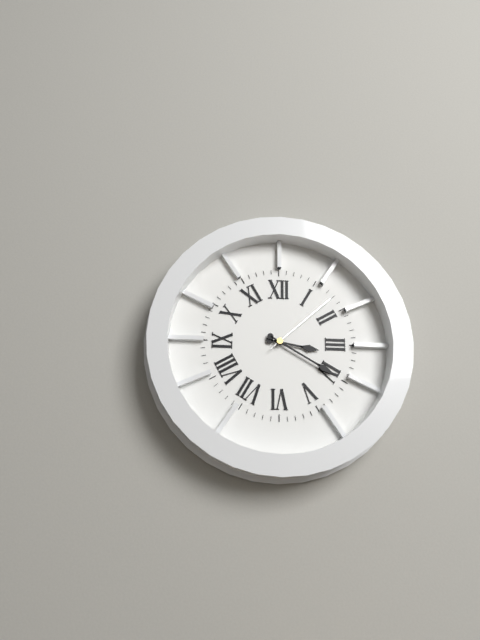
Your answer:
{"hour": 3, "minute": 20, "second": 8}
